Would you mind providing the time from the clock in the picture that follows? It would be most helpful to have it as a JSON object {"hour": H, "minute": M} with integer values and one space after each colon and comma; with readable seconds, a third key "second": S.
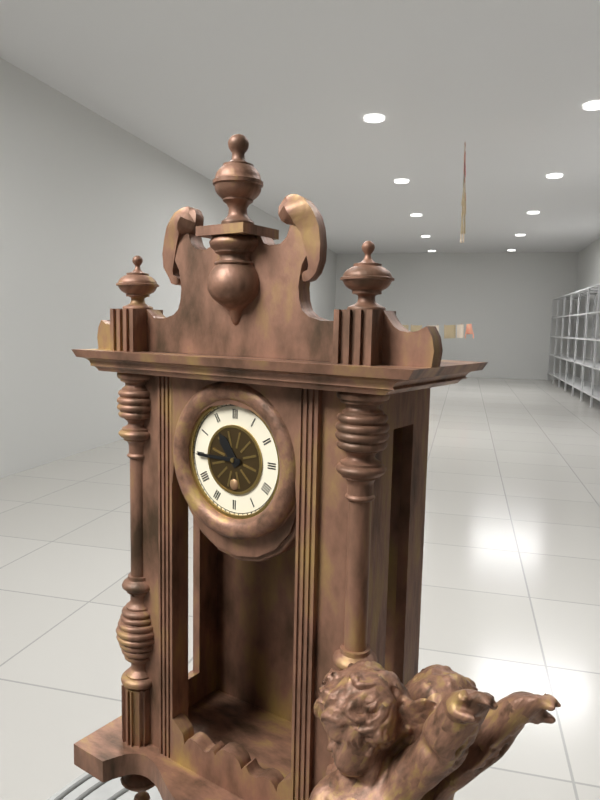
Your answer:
{"hour": 10, "minute": 45}
